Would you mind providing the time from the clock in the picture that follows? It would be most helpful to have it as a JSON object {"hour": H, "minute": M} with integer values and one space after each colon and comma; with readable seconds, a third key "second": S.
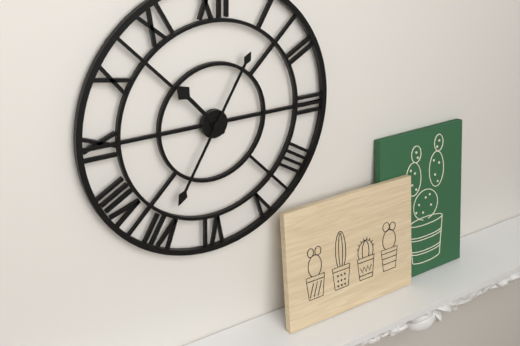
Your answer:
{"hour": 10, "minute": 35}
